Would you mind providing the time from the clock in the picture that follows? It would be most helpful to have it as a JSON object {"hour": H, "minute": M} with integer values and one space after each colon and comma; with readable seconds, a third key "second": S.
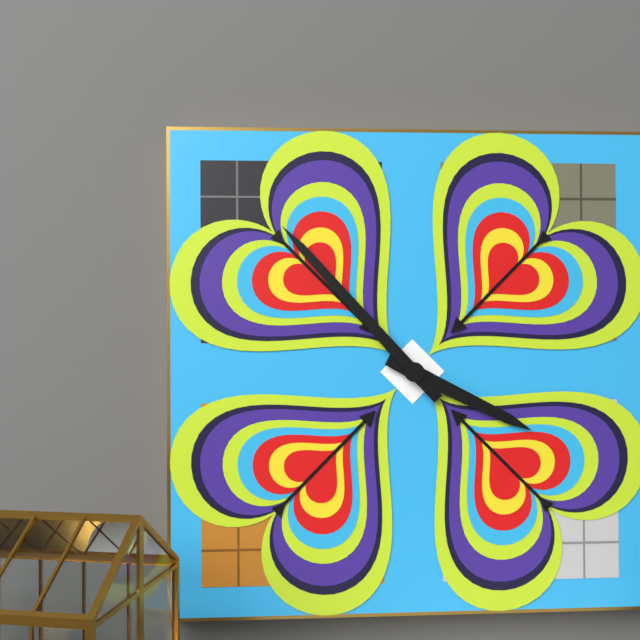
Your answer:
{"hour": 3, "minute": 53}
